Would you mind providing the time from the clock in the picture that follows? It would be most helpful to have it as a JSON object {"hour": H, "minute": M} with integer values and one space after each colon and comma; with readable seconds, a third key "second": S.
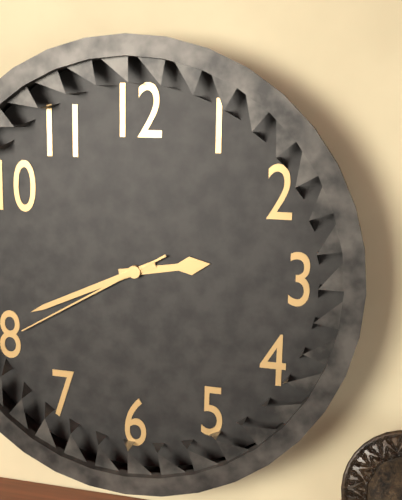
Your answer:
{"hour": 2, "minute": 41, "second": 40}
